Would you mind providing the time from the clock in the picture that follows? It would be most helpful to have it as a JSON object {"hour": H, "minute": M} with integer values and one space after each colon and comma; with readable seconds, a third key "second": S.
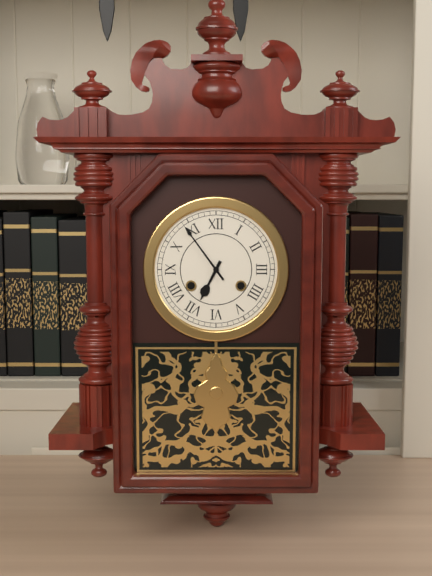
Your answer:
{"hour": 6, "minute": 54}
